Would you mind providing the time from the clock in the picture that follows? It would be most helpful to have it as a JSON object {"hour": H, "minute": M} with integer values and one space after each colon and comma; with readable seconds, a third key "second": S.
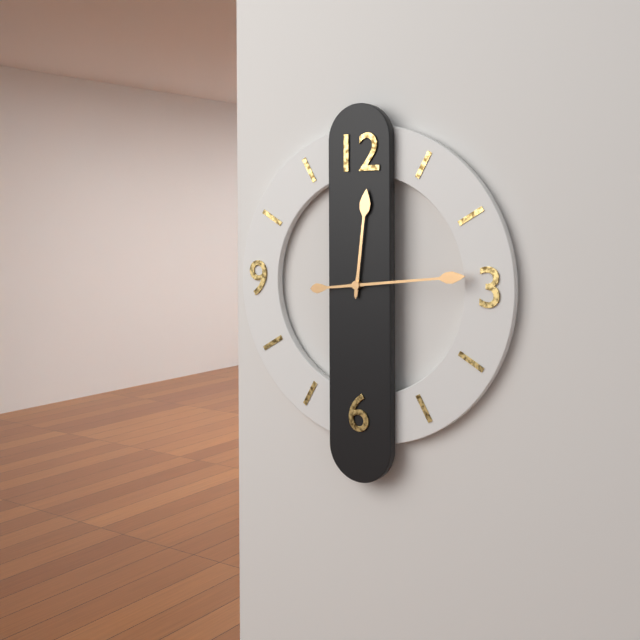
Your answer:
{"hour": 12, "minute": 14}
